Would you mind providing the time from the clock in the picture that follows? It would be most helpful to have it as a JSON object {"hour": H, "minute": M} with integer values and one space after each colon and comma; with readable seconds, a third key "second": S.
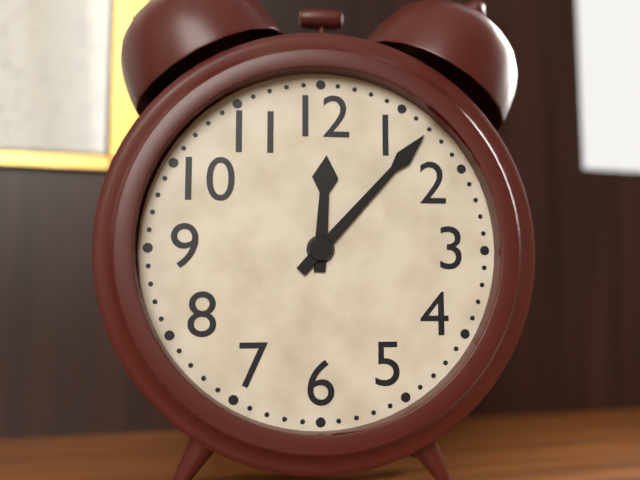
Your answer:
{"hour": 12, "minute": 7}
